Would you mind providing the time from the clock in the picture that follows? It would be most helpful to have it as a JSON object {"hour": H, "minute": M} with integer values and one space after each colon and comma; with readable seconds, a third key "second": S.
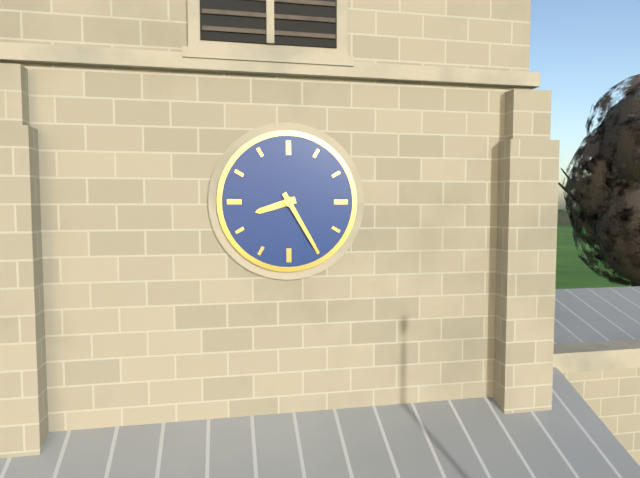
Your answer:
{"hour": 8, "minute": 25}
